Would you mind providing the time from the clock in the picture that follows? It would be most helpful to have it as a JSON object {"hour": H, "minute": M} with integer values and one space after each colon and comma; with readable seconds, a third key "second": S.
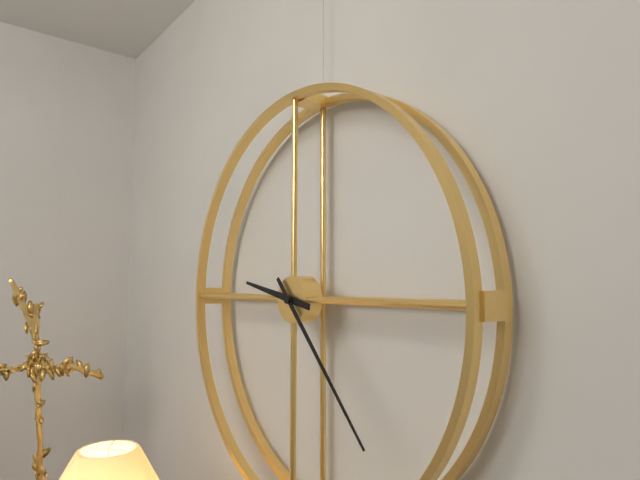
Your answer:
{"hour": 9, "minute": 23}
